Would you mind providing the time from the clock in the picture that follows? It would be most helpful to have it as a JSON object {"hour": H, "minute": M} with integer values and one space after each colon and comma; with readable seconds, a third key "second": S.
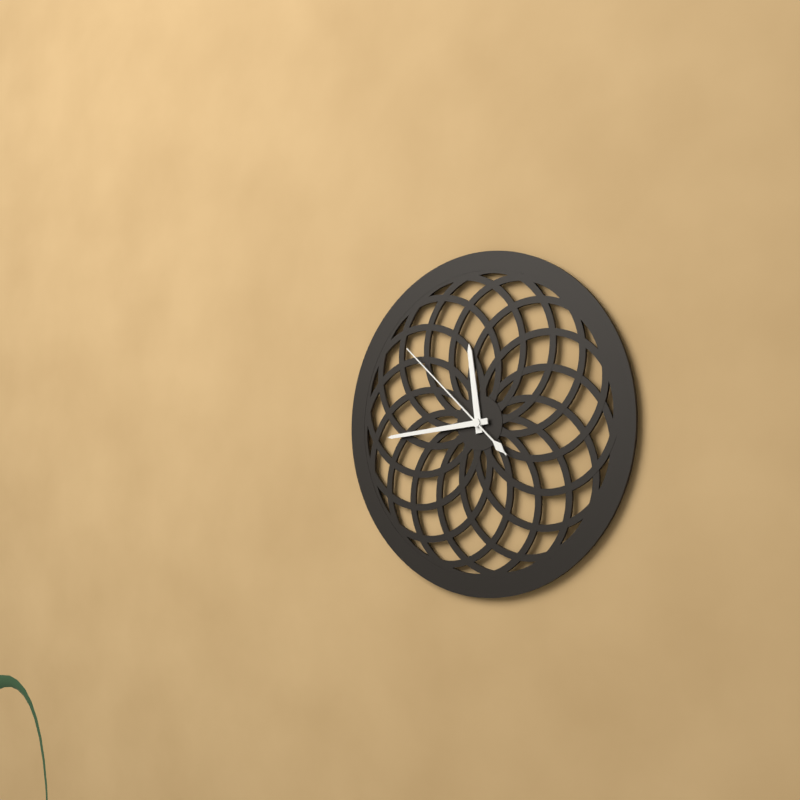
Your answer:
{"hour": 11, "minute": 44, "second": 52}
